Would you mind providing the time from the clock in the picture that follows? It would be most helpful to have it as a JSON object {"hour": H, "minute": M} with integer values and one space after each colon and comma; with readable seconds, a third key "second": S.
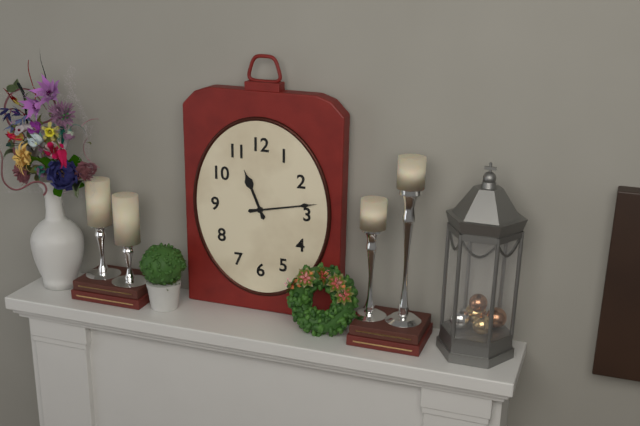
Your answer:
{"hour": 11, "minute": 13}
